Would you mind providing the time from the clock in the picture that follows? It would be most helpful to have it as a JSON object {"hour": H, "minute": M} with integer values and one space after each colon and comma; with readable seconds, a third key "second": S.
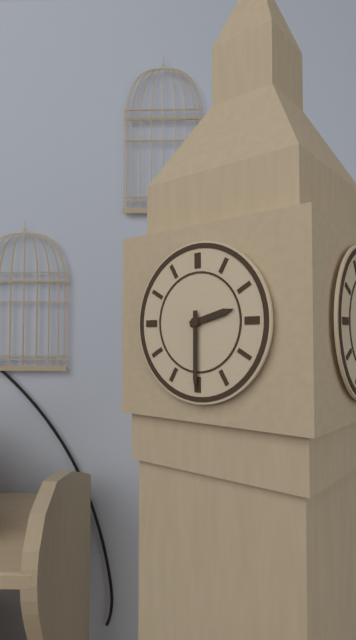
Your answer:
{"hour": 2, "minute": 30}
